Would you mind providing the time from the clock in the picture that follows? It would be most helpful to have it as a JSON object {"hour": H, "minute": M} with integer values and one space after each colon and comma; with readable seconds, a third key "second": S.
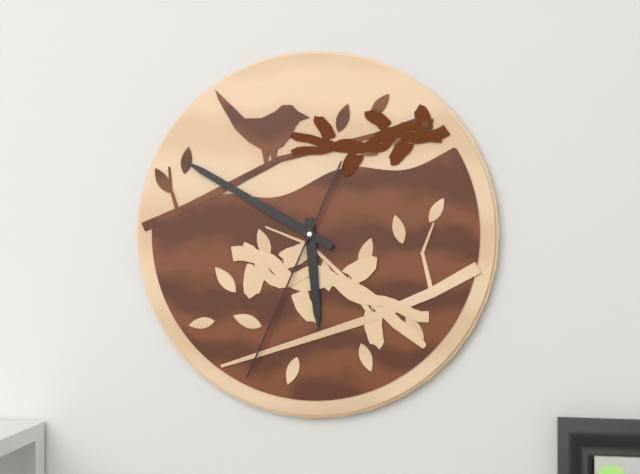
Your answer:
{"hour": 5, "minute": 50, "second": 34}
